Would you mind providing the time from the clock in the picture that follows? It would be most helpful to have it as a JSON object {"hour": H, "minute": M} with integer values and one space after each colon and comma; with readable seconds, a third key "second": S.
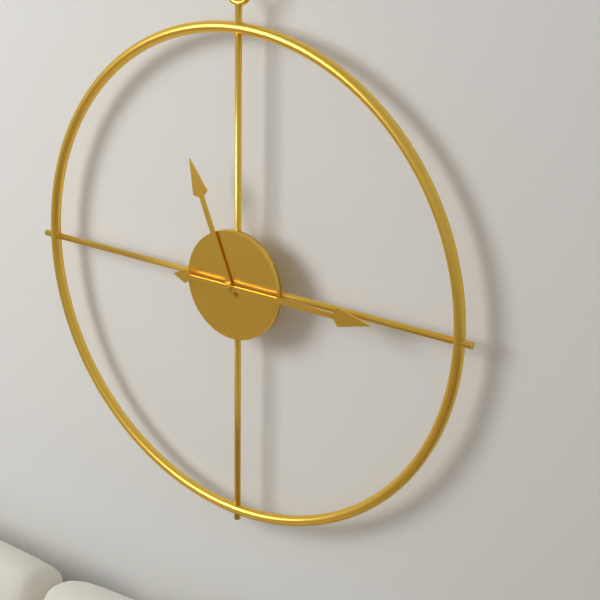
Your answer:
{"hour": 11, "minute": 15}
